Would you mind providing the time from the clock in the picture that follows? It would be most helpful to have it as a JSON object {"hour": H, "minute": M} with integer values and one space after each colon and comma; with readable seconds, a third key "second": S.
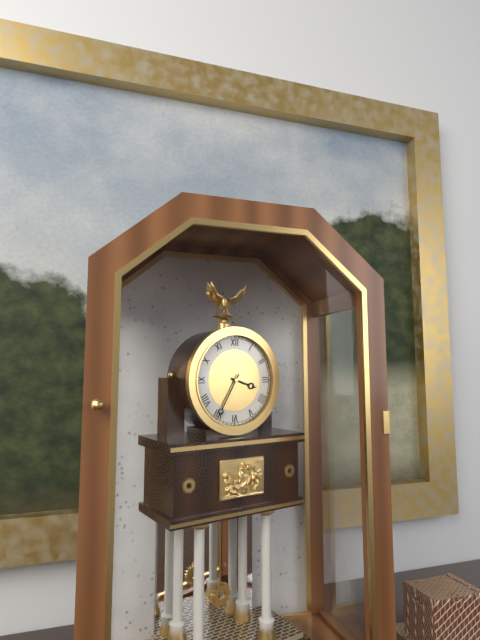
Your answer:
{"hour": 3, "minute": 35}
